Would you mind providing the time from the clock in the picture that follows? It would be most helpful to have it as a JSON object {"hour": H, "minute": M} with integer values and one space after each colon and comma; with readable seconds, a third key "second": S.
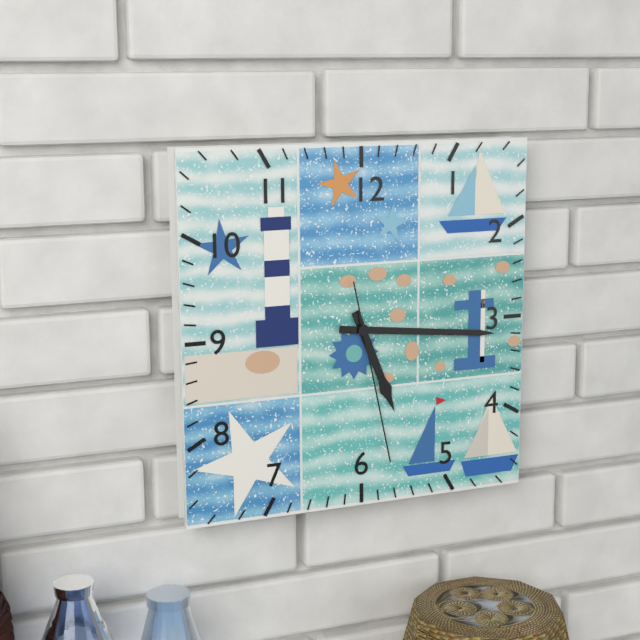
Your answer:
{"hour": 5, "minute": 16, "second": 28}
